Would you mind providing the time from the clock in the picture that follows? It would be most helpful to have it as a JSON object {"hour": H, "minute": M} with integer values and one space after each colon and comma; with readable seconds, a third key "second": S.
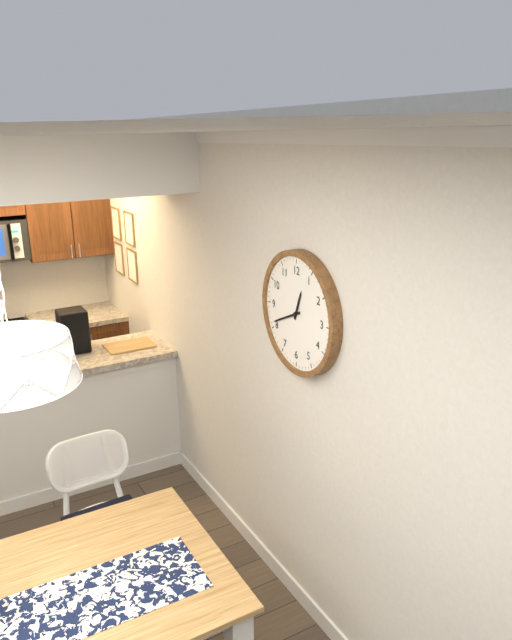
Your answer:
{"hour": 12, "minute": 41}
